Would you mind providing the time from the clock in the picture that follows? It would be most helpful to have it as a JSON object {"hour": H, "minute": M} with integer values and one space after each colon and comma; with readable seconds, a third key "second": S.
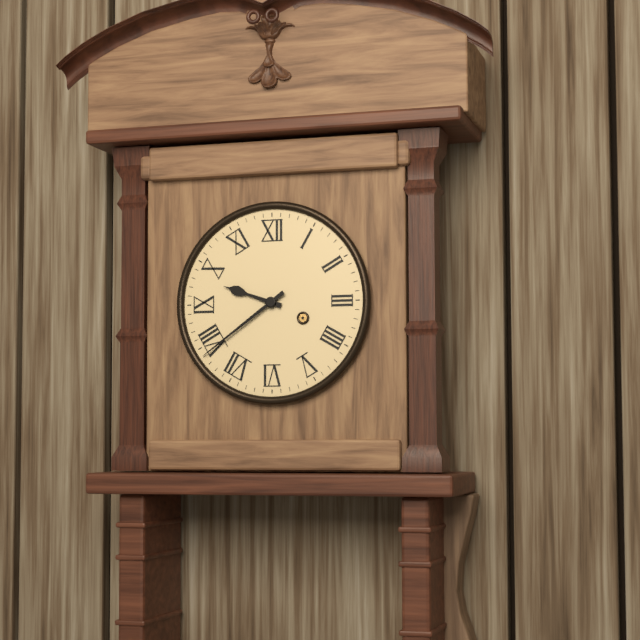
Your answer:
{"hour": 9, "minute": 39}
